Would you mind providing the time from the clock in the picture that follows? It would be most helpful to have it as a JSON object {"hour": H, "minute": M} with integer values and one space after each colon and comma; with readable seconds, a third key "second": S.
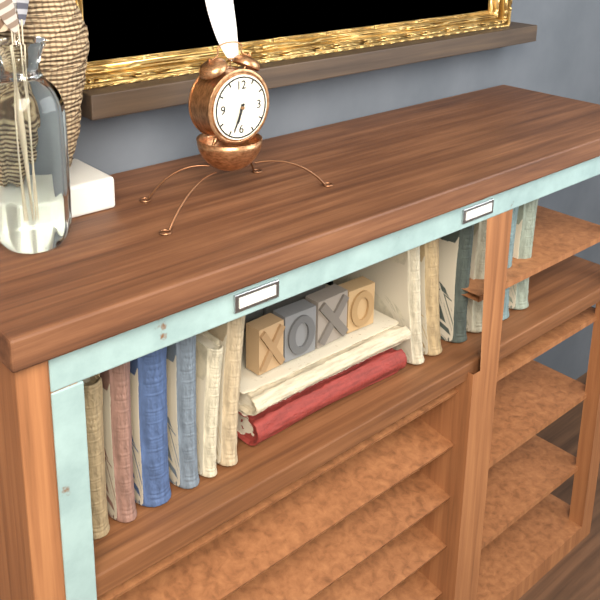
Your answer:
{"hour": 6, "minute": 34}
